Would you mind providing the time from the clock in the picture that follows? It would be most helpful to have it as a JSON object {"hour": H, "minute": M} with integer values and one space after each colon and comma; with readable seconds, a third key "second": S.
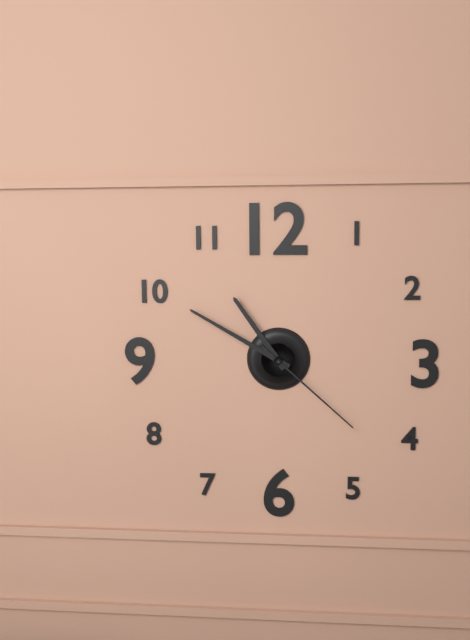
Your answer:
{"hour": 10, "minute": 50, "second": 22}
